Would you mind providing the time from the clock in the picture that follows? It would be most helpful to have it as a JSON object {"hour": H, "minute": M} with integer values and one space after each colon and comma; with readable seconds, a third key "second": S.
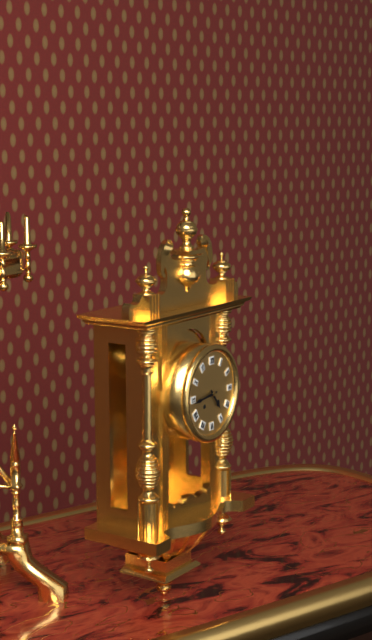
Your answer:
{"hour": 4, "minute": 44}
